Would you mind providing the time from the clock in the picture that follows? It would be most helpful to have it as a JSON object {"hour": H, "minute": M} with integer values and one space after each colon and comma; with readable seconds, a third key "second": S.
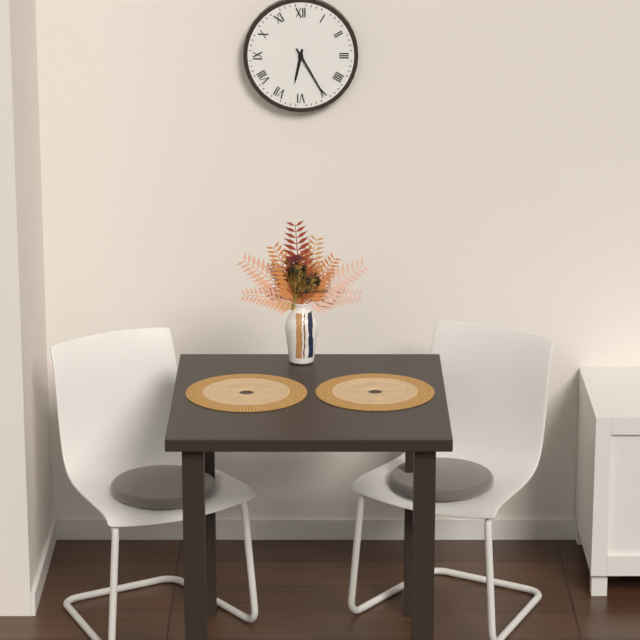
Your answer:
{"hour": 6, "minute": 25}
